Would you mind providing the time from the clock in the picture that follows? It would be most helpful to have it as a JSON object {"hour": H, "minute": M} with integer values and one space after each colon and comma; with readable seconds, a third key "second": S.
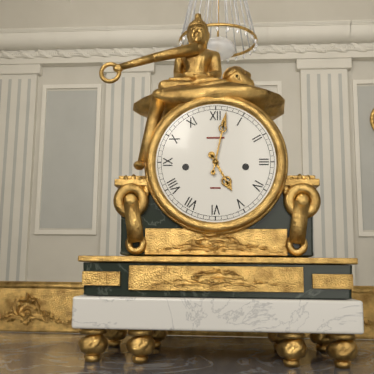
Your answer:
{"hour": 5, "minute": 2}
